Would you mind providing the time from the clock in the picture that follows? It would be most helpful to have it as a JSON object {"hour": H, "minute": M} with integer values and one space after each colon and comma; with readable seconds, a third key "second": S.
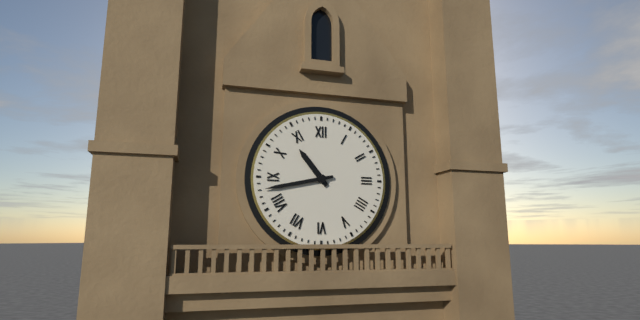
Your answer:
{"hour": 10, "minute": 43}
